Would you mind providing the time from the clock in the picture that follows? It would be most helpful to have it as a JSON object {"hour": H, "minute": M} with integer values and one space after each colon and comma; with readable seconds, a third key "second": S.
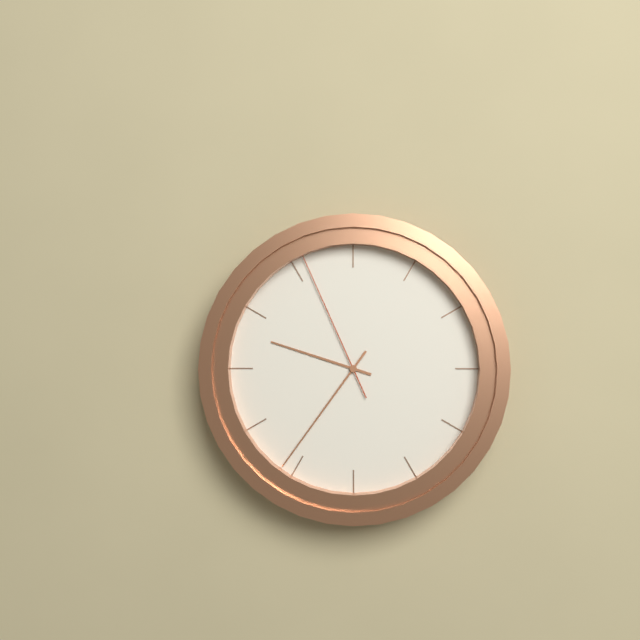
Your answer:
{"hour": 9, "minute": 36, "second": 56}
